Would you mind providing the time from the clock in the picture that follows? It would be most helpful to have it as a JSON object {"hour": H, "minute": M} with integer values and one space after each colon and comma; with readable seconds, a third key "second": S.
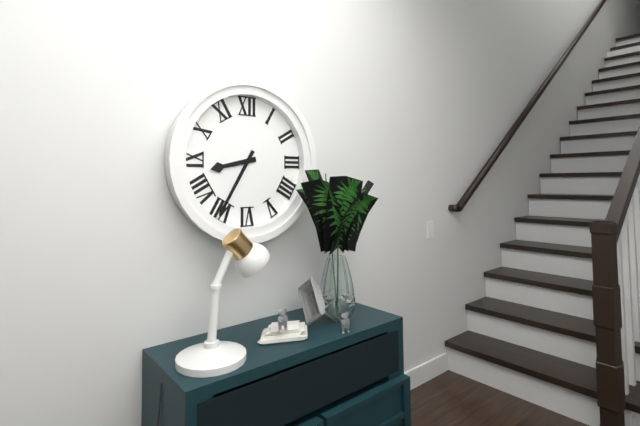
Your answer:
{"hour": 8, "minute": 35}
